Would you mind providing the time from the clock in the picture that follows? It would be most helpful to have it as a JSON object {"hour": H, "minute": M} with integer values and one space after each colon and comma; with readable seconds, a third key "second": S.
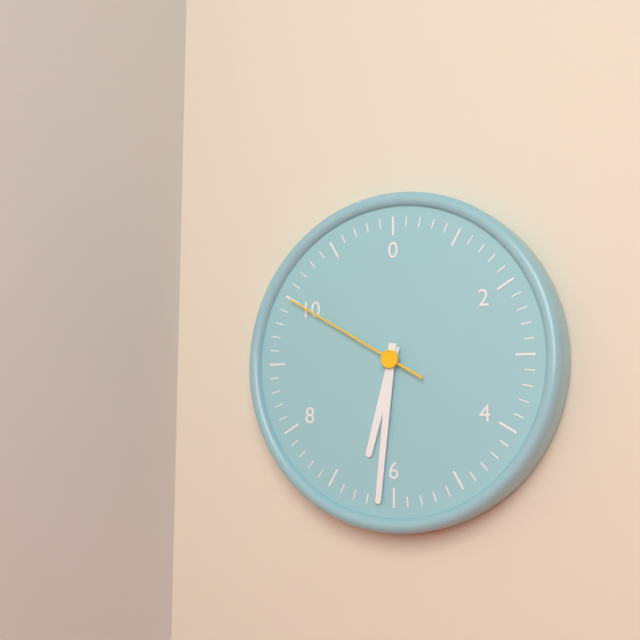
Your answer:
{"hour": 6, "minute": 31, "second": 50}
